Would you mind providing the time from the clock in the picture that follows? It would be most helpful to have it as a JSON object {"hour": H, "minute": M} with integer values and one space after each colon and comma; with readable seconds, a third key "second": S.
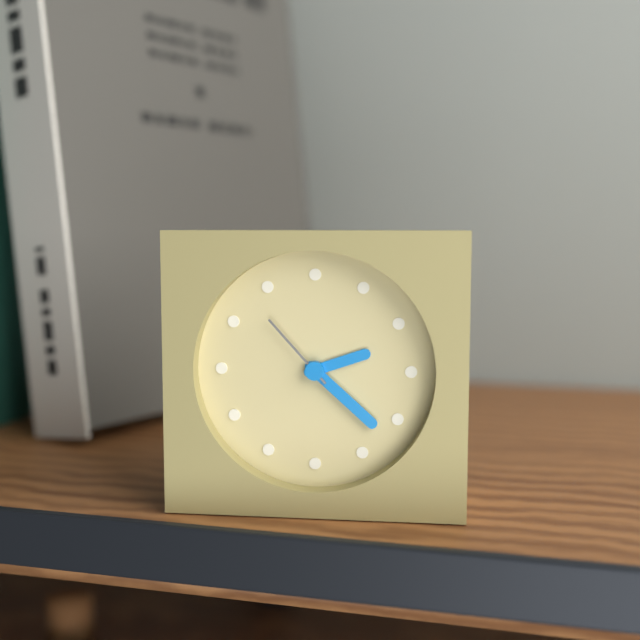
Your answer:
{"hour": 2, "minute": 22, "second": 53}
